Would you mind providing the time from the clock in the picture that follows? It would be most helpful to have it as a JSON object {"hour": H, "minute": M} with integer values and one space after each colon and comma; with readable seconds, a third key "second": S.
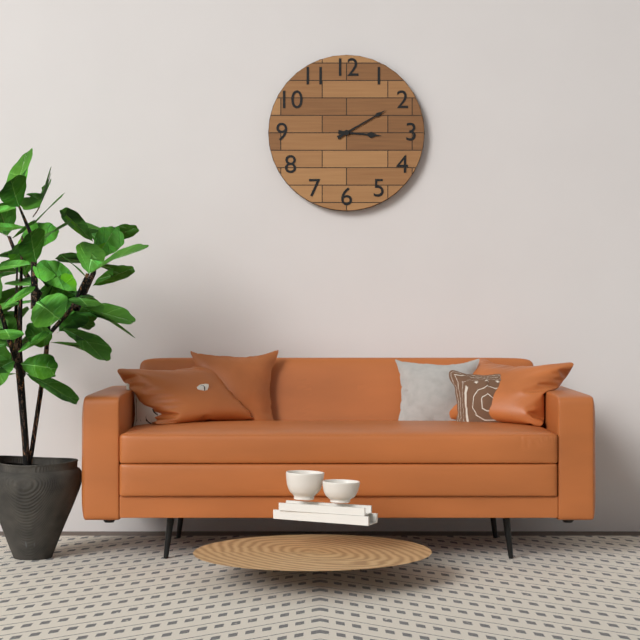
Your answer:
{"hour": 3, "minute": 10}
